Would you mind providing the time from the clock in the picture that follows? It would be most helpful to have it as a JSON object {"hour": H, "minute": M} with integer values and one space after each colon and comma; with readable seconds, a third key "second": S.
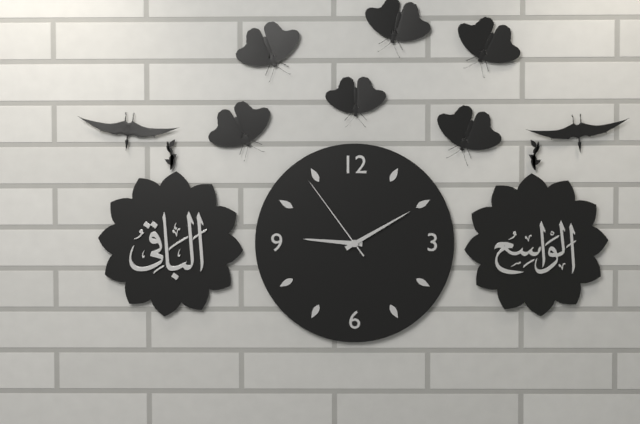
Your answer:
{"hour": 9, "minute": 10, "second": 54}
